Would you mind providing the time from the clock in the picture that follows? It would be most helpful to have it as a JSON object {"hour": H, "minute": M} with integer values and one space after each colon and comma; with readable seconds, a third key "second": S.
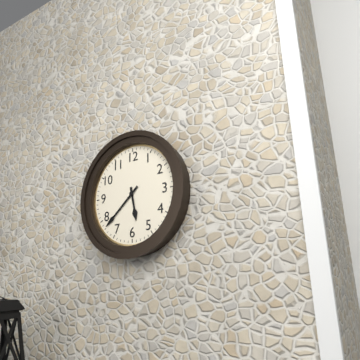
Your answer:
{"hour": 5, "minute": 38}
